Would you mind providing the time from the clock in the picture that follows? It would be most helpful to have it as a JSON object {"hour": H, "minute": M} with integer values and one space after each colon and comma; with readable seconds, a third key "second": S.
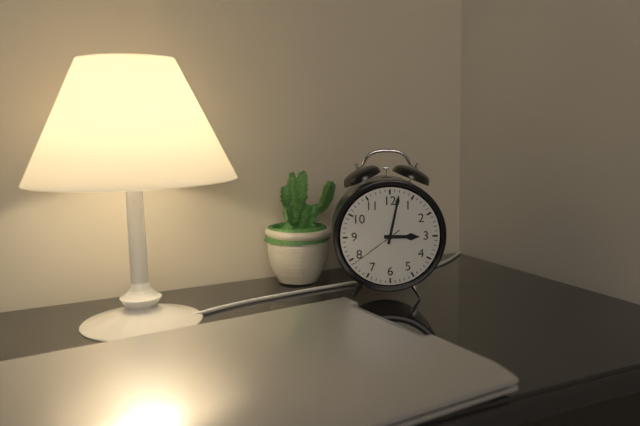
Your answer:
{"hour": 3, "minute": 2, "second": 39}
